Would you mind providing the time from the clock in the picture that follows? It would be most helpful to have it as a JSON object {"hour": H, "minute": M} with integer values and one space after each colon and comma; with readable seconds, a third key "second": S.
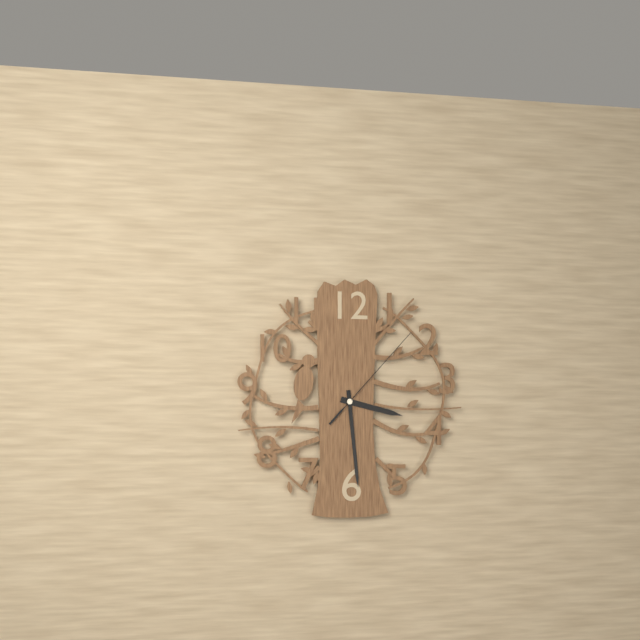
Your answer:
{"hour": 3, "minute": 29, "second": 7}
